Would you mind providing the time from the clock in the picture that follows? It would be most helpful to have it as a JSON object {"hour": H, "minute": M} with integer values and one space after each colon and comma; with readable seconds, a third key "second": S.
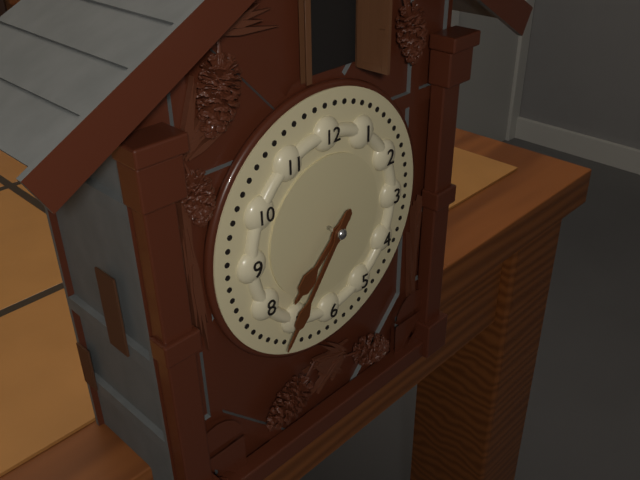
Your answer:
{"hour": 7, "minute": 36}
